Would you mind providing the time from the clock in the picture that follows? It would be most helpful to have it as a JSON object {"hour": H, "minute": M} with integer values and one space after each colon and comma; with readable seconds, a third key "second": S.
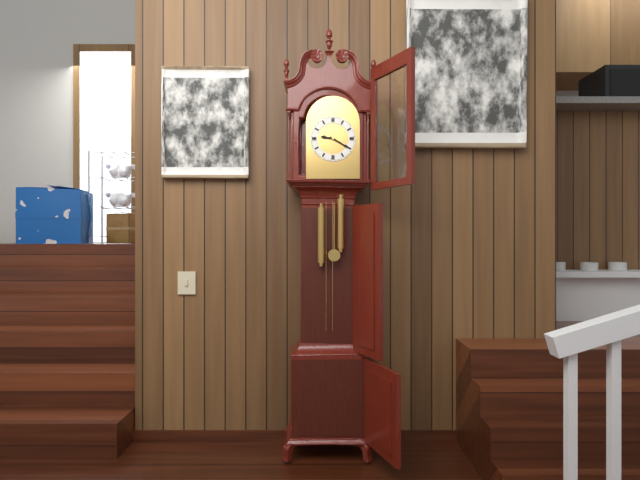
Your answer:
{"hour": 9, "minute": 20}
